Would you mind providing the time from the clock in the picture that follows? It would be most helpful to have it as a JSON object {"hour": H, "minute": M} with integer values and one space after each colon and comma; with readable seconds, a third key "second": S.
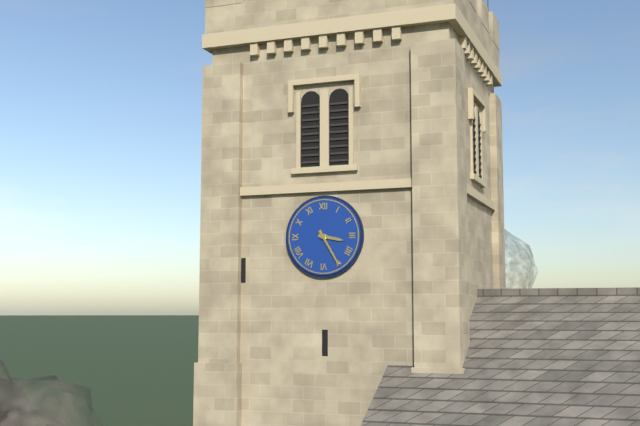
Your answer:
{"hour": 3, "minute": 25}
